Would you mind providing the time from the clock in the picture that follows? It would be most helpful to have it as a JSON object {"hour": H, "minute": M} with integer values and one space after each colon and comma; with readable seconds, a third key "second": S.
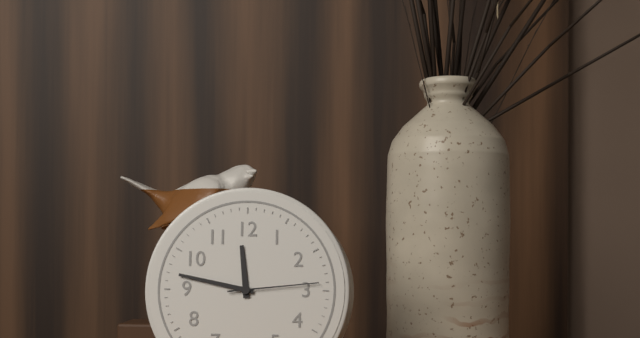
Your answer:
{"hour": 11, "minute": 47, "second": 14}
